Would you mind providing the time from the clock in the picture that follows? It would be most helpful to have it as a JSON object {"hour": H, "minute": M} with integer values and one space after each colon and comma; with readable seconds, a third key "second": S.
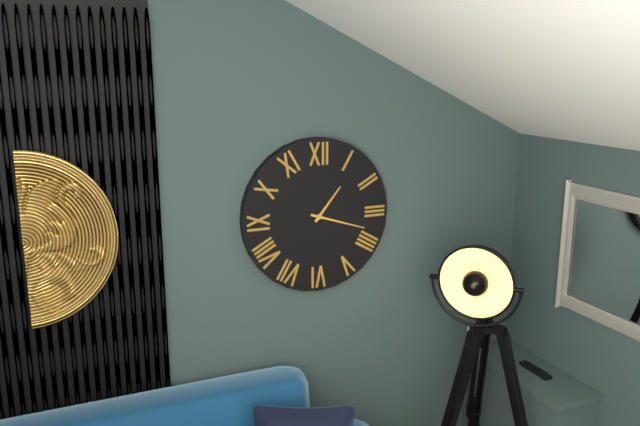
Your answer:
{"hour": 1, "minute": 18}
